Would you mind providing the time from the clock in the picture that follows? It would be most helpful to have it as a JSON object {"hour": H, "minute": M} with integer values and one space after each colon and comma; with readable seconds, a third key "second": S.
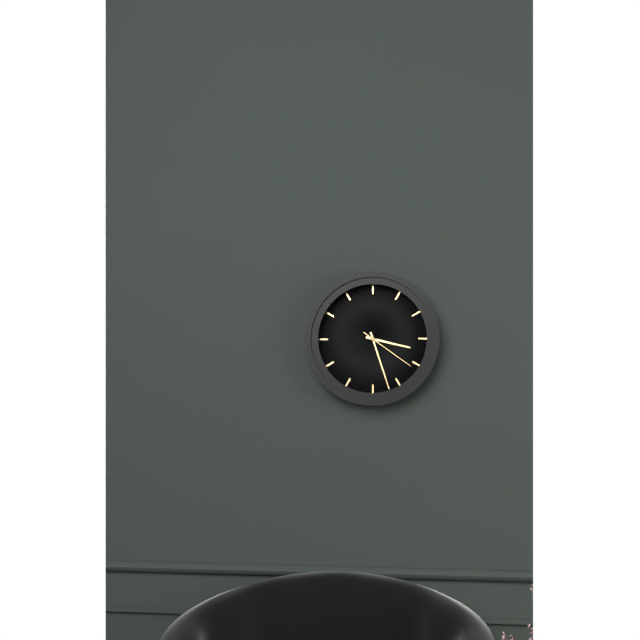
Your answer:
{"hour": 3, "minute": 27, "second": 21}
